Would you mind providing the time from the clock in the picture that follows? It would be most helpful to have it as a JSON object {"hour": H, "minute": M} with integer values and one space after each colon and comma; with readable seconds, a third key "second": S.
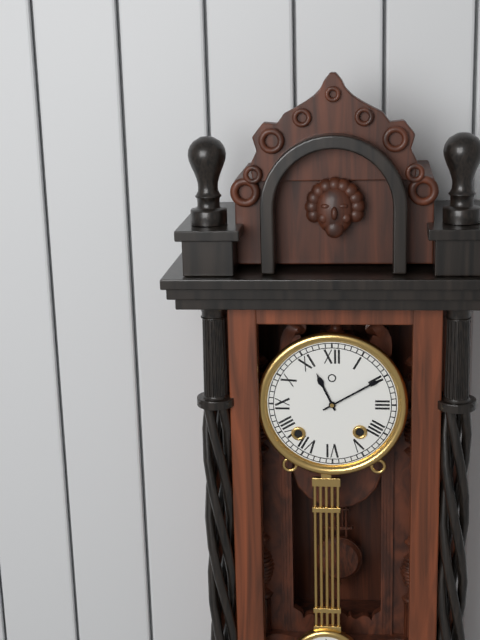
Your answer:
{"hour": 11, "minute": 10}
